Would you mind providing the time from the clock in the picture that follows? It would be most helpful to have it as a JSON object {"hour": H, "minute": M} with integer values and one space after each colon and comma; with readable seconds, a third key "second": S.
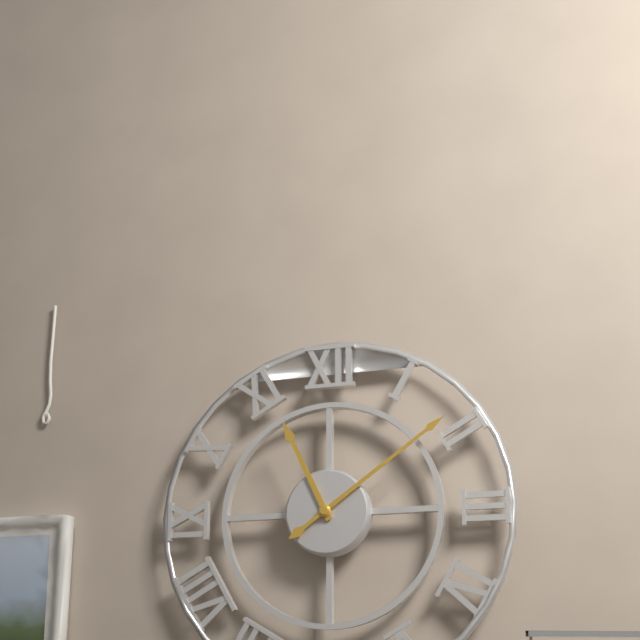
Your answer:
{"hour": 11, "minute": 9}
